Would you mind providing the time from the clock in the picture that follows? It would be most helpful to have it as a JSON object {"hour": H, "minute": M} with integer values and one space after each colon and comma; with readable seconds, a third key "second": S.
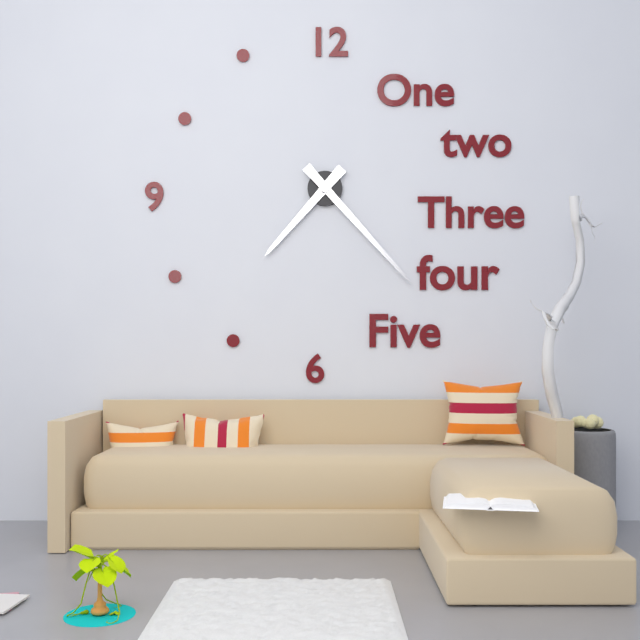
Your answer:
{"hour": 7, "minute": 23}
